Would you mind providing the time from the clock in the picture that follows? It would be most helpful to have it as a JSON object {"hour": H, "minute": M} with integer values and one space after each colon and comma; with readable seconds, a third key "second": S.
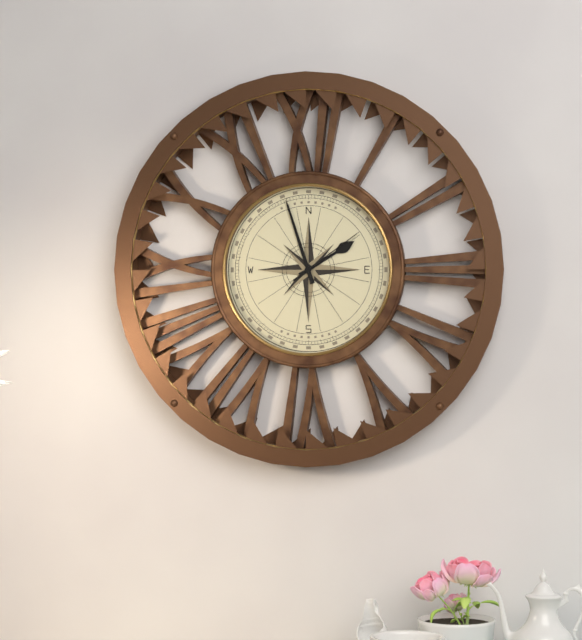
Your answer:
{"hour": 1, "minute": 57, "second": 9}
